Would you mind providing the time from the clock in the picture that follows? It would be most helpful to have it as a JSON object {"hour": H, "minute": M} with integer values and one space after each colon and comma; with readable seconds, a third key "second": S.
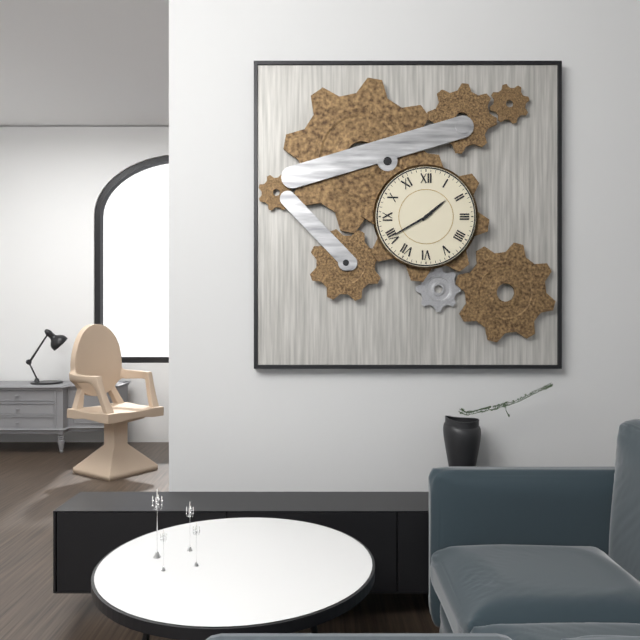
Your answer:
{"hour": 1, "minute": 40}
